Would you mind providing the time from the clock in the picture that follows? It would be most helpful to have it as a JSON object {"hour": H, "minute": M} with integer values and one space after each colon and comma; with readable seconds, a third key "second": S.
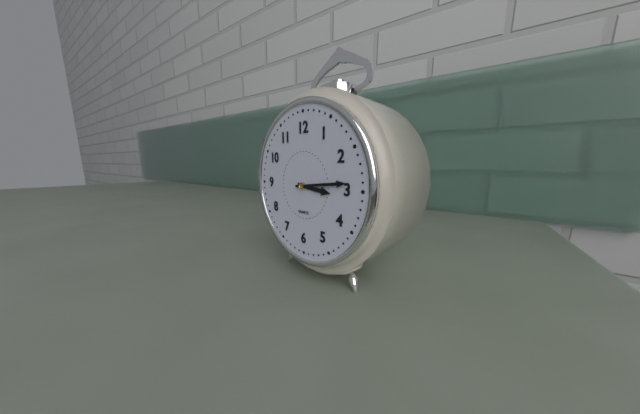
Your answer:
{"hour": 3, "minute": 14}
